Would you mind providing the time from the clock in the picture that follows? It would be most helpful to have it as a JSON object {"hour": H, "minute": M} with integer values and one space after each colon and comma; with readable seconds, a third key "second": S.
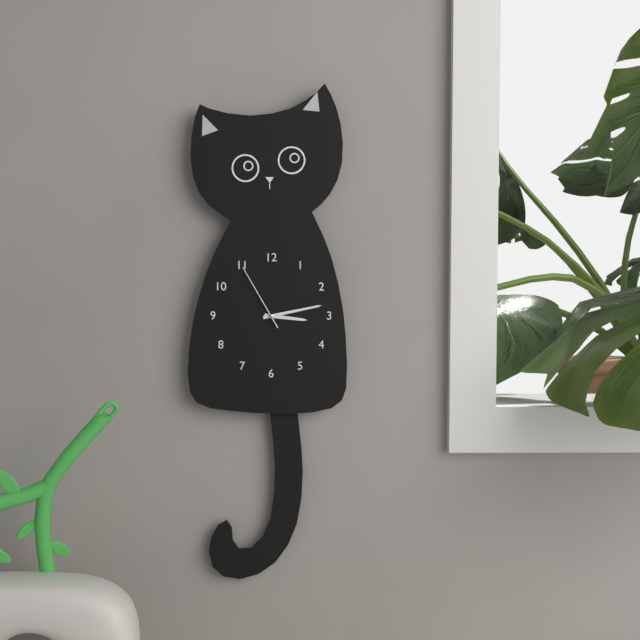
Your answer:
{"hour": 3, "minute": 13, "second": 55}
